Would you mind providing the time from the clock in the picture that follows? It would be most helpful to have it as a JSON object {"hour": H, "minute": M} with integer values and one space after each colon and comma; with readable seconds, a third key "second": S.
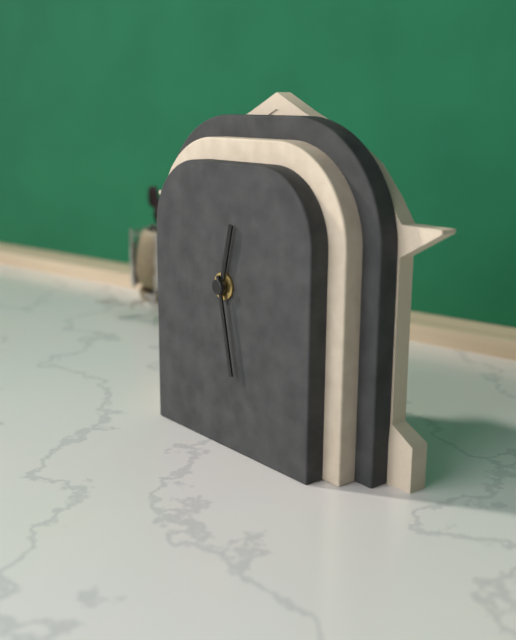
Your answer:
{"hour": 12, "minute": 28}
